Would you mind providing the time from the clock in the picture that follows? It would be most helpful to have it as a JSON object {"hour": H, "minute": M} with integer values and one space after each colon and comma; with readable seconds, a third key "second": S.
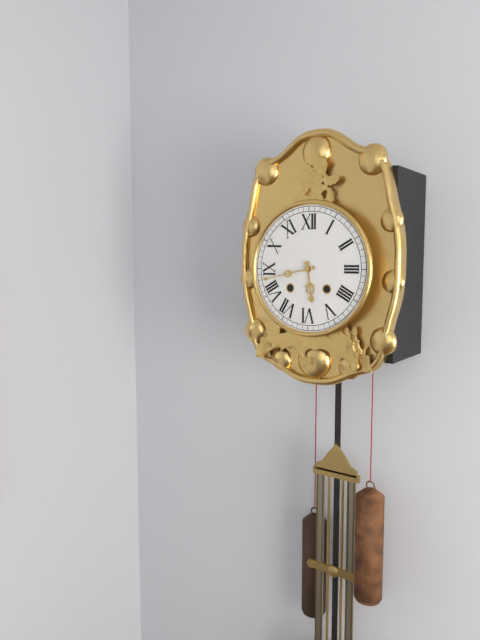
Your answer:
{"hour": 5, "minute": 43}
